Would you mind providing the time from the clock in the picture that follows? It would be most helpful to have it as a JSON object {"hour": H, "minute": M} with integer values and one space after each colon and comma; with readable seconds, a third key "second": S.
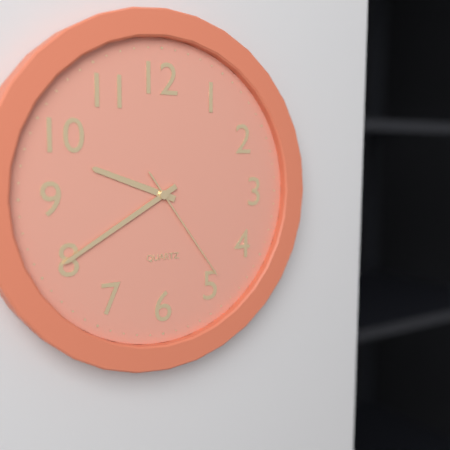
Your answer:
{"hour": 9, "minute": 40, "second": 24}
